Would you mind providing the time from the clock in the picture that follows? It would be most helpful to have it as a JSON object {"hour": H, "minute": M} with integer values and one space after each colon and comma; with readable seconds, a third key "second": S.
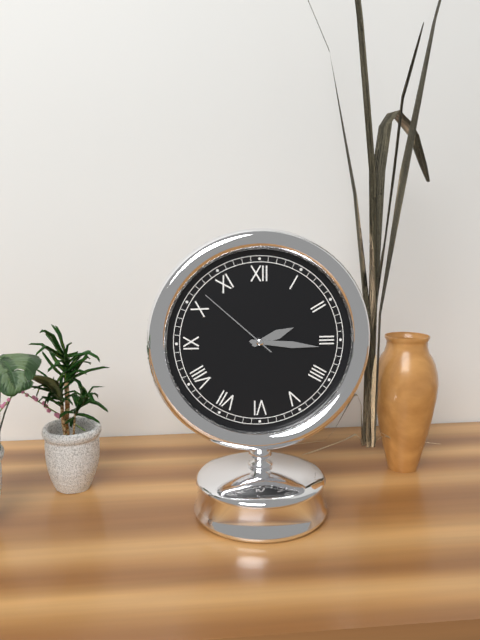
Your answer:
{"hour": 2, "minute": 16, "second": 52}
